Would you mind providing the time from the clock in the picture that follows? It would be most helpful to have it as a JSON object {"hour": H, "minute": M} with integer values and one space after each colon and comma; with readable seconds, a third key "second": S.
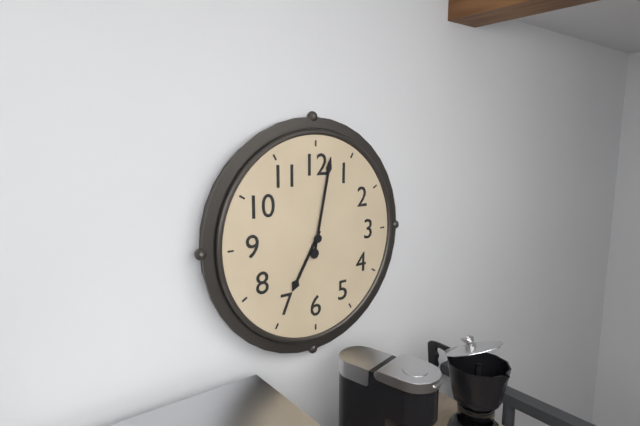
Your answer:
{"hour": 7, "minute": 2}
